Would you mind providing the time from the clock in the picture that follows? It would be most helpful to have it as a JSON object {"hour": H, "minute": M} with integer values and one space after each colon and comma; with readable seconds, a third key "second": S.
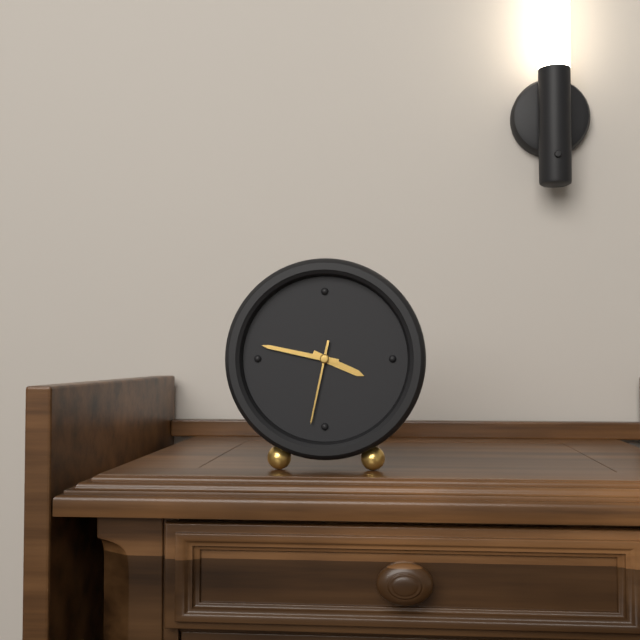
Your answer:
{"hour": 3, "minute": 47, "second": 32}
